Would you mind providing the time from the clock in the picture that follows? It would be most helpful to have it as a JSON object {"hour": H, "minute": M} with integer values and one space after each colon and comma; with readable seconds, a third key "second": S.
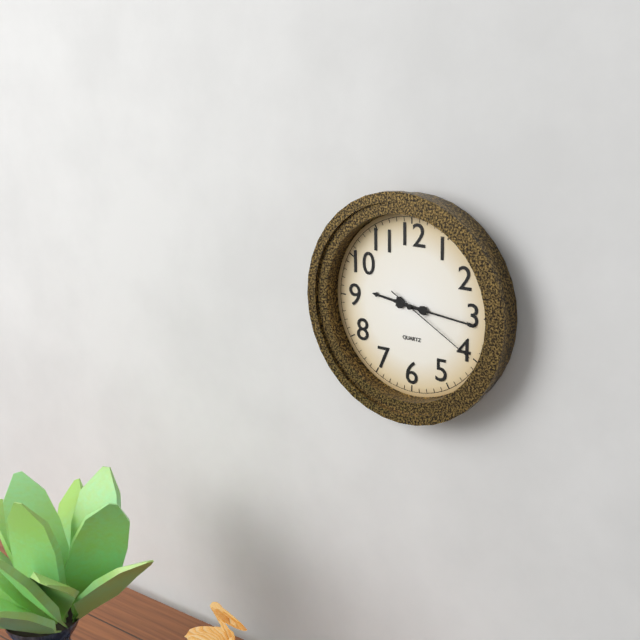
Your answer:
{"hour": 9, "minute": 16, "second": 20}
